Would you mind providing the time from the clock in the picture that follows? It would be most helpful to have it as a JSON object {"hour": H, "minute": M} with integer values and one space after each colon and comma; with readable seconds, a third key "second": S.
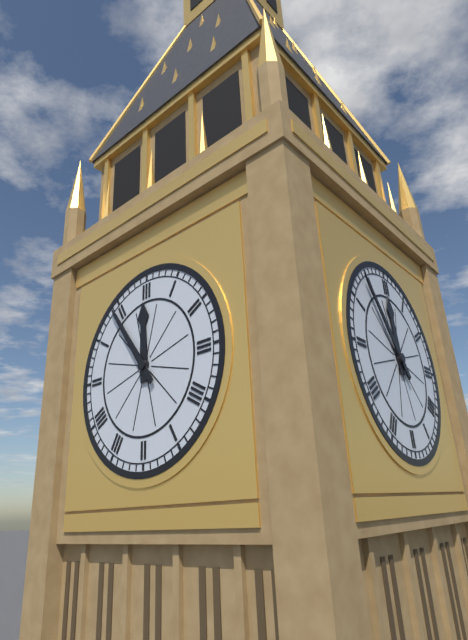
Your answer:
{"hour": 11, "minute": 54}
